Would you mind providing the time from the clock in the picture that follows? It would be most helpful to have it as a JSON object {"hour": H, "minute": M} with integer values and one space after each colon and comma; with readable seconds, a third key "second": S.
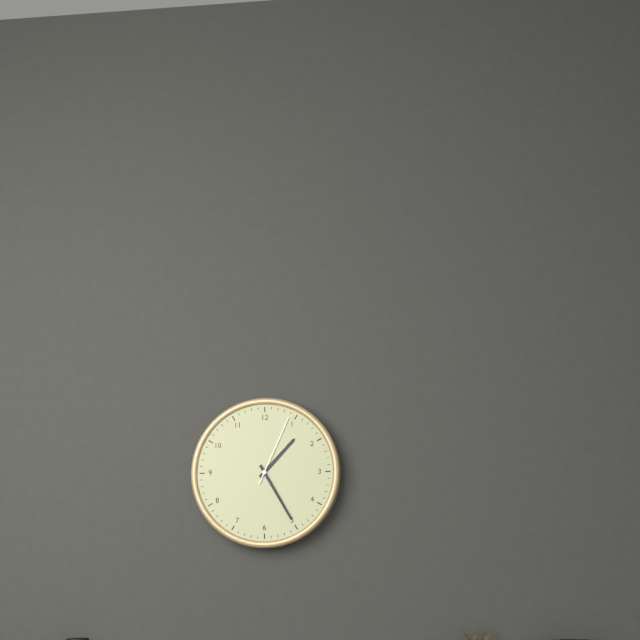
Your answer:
{"hour": 1, "minute": 25, "second": 4}
